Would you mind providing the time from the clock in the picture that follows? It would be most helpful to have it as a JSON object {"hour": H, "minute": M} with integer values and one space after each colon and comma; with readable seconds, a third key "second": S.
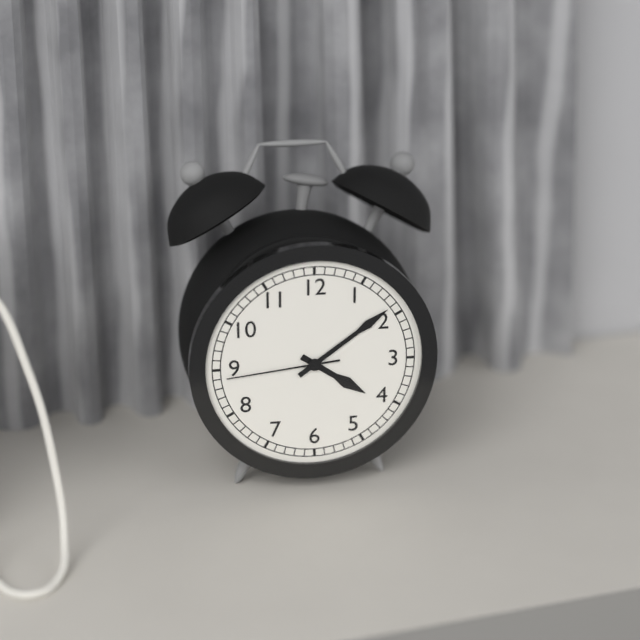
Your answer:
{"hour": 4, "minute": 9, "second": 44}
